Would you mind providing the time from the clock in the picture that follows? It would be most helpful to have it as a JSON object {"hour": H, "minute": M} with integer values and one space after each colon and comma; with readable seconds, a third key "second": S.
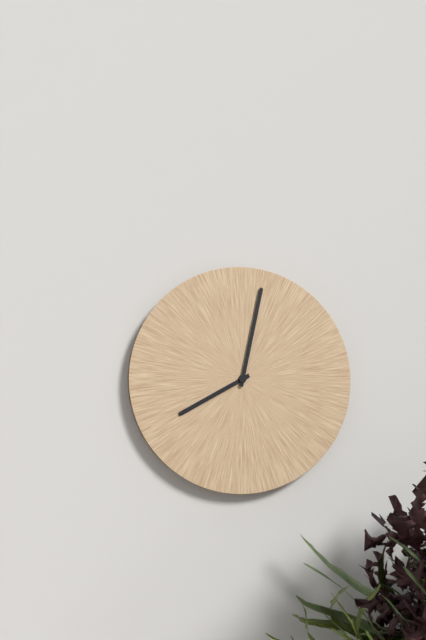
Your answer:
{"hour": 8, "minute": 2}
